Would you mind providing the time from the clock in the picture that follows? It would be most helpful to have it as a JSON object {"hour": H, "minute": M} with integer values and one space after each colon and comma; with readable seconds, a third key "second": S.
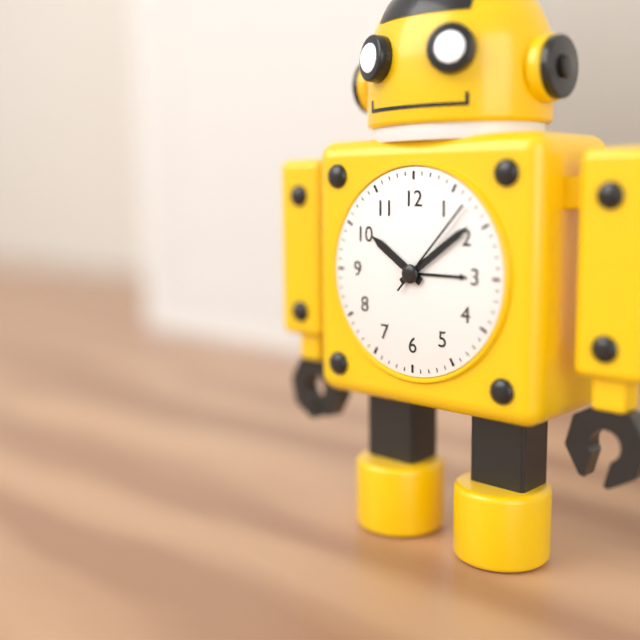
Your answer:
{"hour": 10, "minute": 9, "second": 7}
